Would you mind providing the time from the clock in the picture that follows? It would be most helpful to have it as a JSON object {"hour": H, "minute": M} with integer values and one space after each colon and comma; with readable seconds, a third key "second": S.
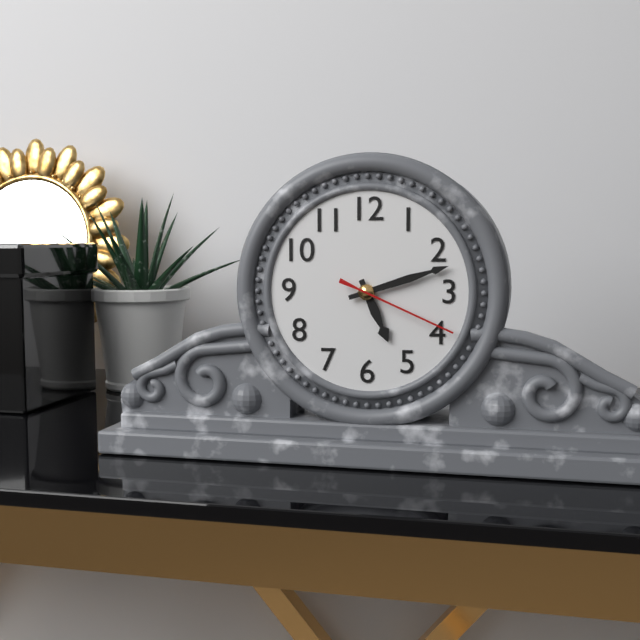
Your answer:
{"hour": 5, "minute": 12, "second": 19}
